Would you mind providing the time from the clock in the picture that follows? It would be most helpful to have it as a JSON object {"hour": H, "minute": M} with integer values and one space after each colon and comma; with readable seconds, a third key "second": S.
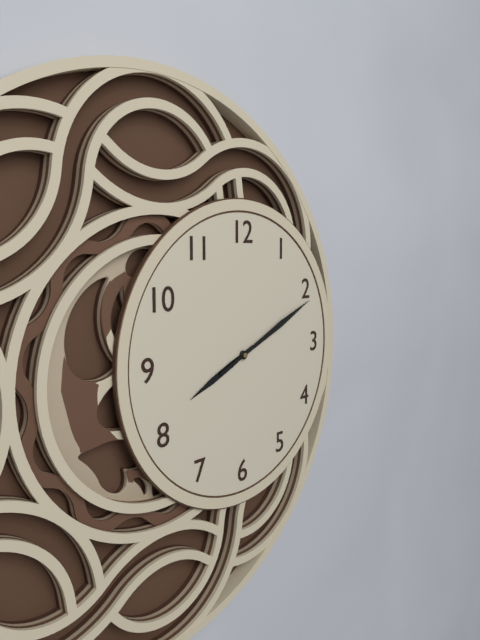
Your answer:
{"hour": 8, "minute": 11}
